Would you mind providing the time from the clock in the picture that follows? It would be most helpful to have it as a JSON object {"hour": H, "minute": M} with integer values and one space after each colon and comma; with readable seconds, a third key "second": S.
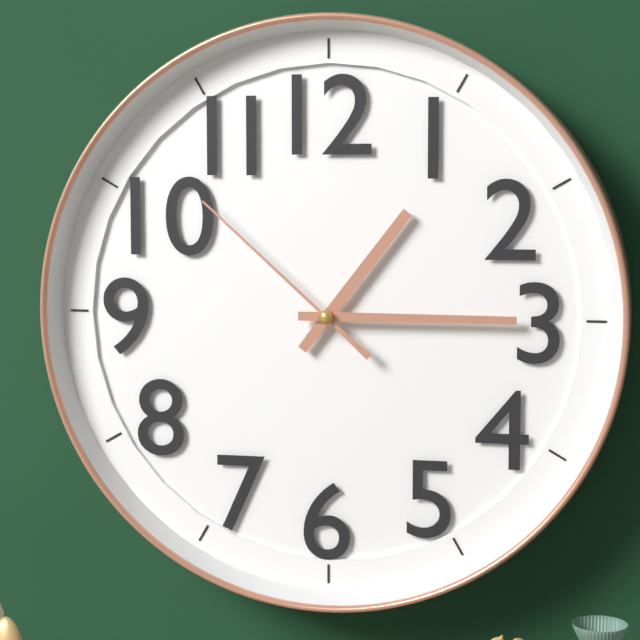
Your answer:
{"hour": 1, "minute": 15, "second": 52}
